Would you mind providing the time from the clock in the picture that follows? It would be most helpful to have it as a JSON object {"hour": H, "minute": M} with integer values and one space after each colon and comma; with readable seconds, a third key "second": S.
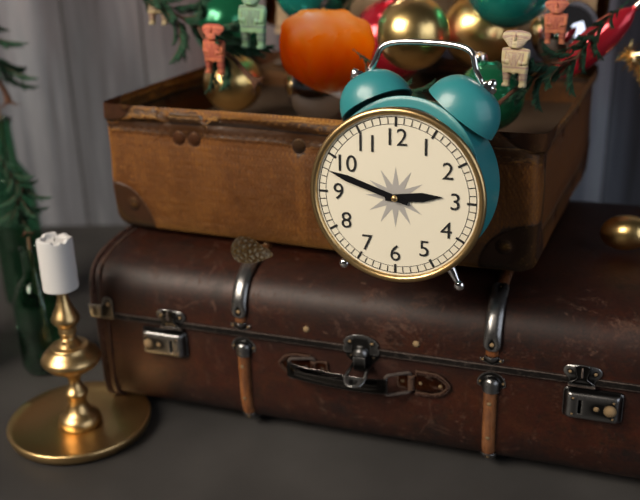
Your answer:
{"hour": 2, "minute": 48}
